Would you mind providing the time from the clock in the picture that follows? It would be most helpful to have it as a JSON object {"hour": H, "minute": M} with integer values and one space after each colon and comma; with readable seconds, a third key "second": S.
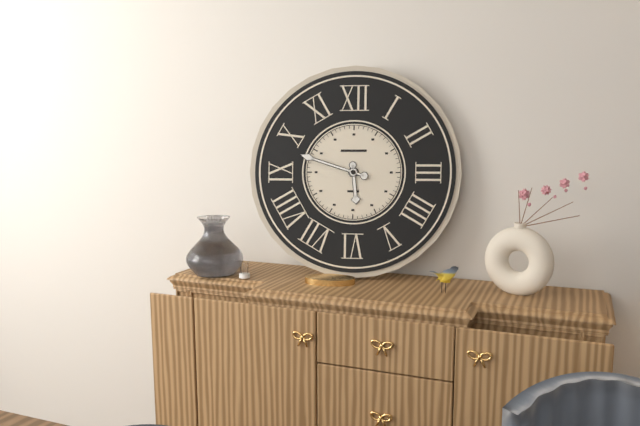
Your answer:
{"hour": 5, "minute": 48}
